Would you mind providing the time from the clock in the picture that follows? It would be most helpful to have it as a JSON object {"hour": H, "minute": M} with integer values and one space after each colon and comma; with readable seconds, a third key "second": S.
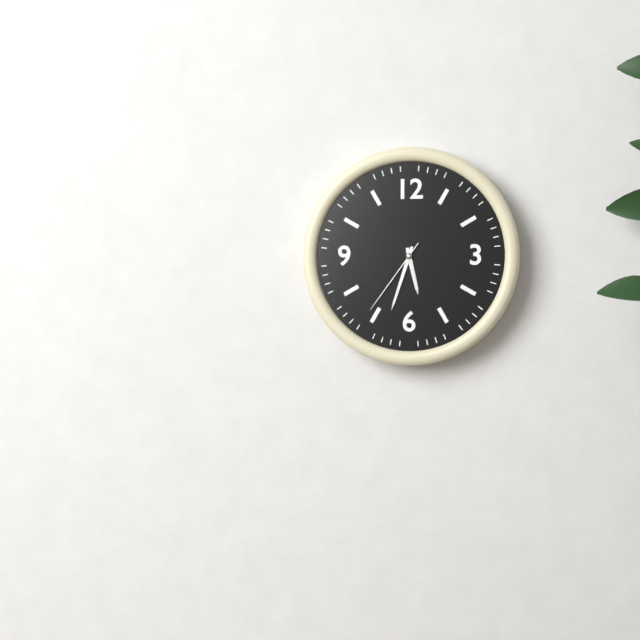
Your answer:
{"hour": 5, "minute": 33, "second": 36}
